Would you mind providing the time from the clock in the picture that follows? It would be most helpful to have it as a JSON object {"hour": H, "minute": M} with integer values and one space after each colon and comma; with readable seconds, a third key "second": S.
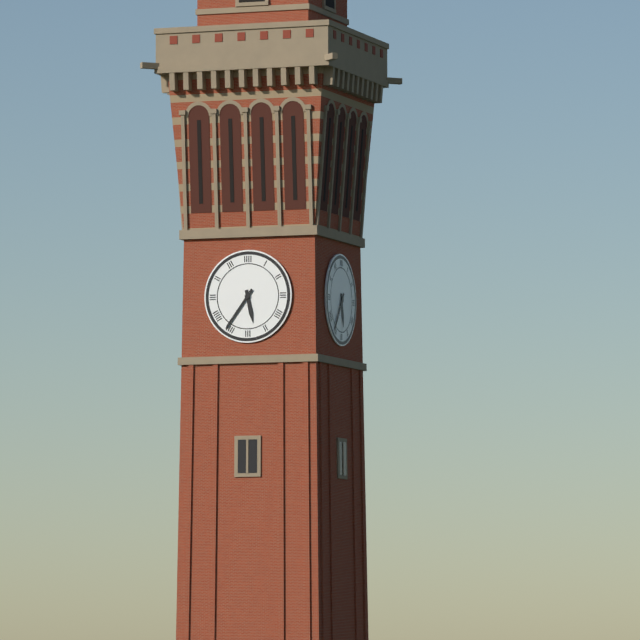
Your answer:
{"hour": 5, "minute": 36}
